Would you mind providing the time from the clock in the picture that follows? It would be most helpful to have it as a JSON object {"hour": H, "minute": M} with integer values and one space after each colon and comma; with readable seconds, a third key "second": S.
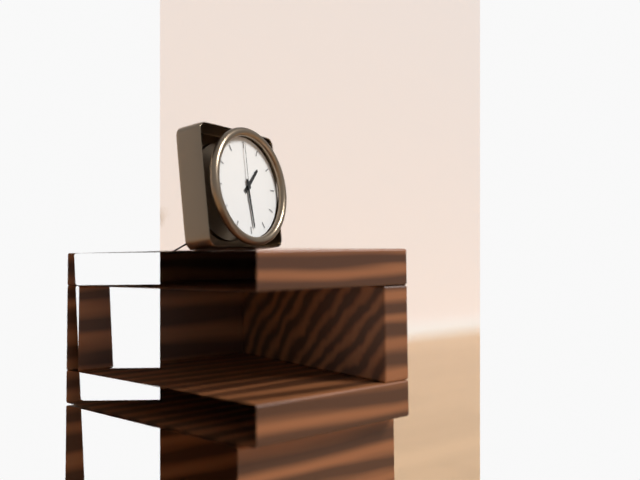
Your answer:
{"hour": 1, "minute": 29, "second": 0}
